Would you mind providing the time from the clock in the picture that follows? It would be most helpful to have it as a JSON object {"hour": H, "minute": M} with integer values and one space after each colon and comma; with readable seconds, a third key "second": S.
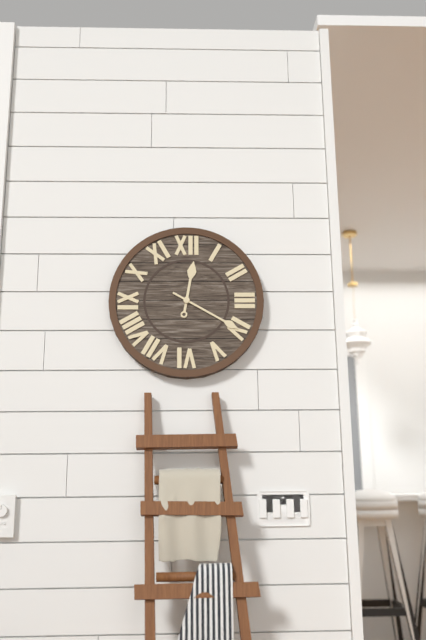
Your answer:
{"hour": 12, "minute": 20}
